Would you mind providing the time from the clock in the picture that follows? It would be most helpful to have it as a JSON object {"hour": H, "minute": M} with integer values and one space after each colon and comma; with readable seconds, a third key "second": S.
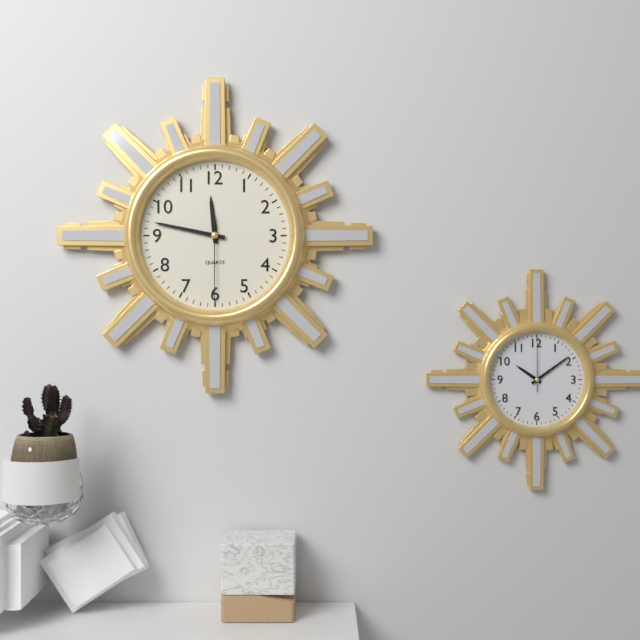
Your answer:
{"hour": 11, "minute": 47, "second": 30}
